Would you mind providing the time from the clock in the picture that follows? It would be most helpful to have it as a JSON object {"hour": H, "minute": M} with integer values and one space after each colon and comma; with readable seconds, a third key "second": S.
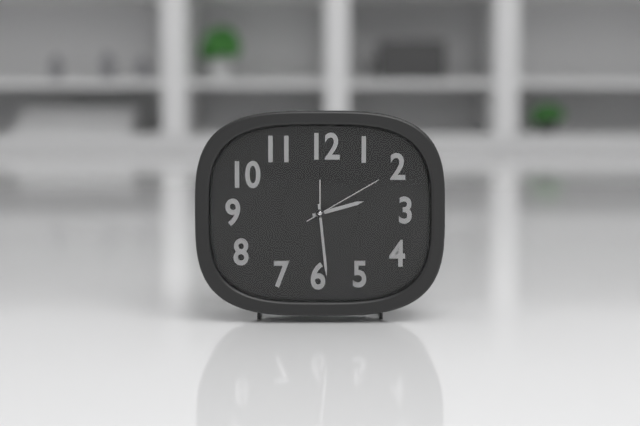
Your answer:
{"hour": 2, "minute": 29, "second": 10}
